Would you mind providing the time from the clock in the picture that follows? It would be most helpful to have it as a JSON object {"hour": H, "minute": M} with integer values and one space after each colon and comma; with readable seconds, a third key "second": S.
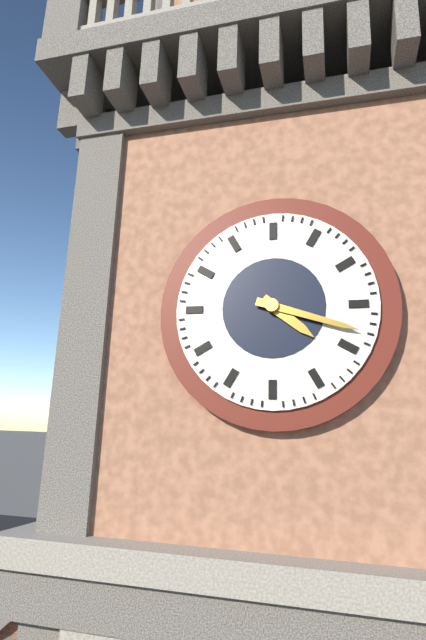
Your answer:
{"hour": 4, "minute": 18}
